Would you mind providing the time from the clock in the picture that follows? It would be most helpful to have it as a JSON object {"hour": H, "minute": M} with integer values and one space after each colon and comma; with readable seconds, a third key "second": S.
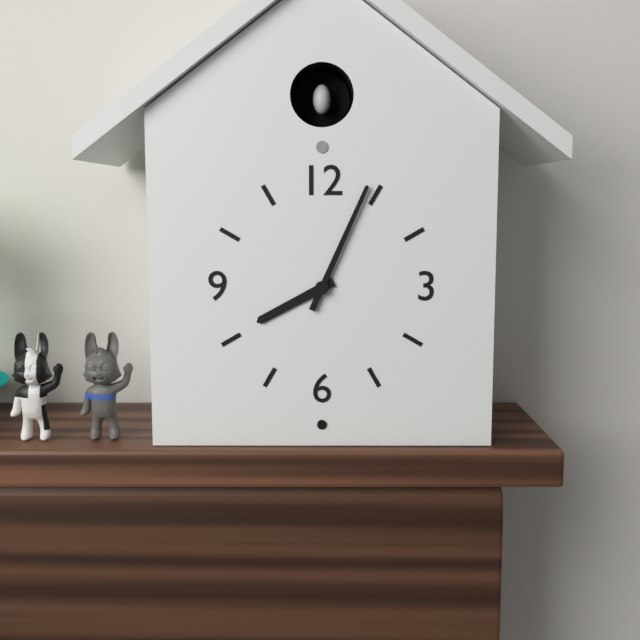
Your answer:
{"hour": 8, "minute": 4}
